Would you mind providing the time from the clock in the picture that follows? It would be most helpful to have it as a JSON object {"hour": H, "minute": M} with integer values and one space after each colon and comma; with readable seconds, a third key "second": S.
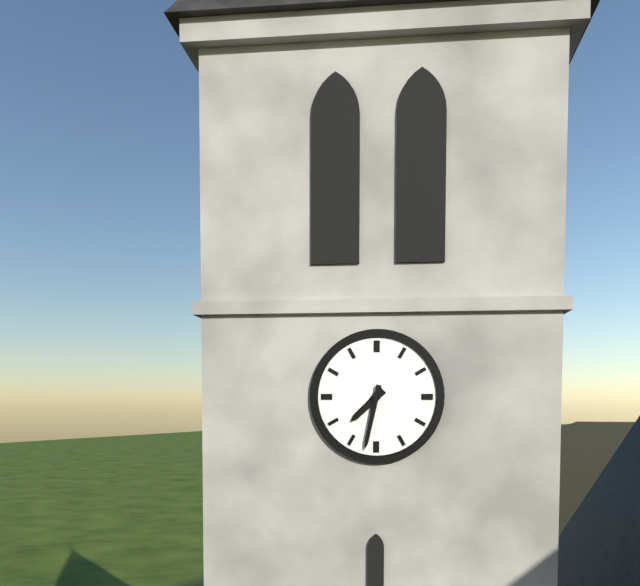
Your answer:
{"hour": 7, "minute": 32}
